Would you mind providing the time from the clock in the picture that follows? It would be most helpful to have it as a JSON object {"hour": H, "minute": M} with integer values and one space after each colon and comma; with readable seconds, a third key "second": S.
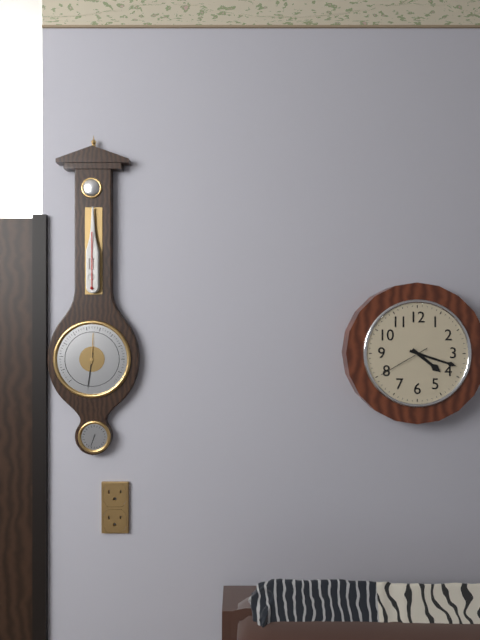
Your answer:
{"hour": 4, "minute": 18, "second": 40}
